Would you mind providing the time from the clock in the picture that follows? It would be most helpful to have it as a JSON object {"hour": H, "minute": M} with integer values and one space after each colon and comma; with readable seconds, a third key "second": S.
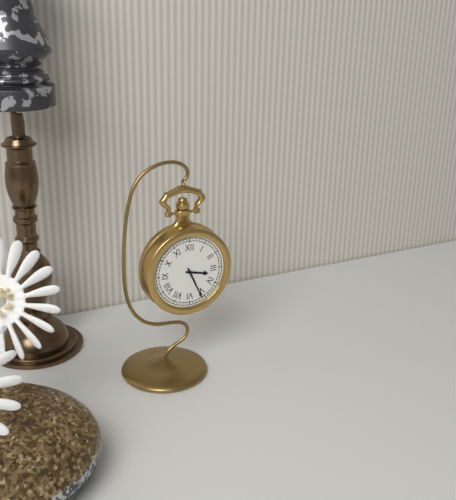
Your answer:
{"hour": 3, "minute": 26}
